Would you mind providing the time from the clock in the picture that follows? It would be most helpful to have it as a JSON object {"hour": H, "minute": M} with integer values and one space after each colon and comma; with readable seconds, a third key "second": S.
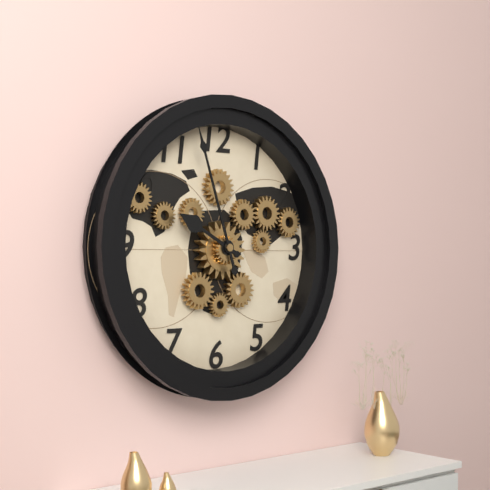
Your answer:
{"hour": 9, "minute": 57}
